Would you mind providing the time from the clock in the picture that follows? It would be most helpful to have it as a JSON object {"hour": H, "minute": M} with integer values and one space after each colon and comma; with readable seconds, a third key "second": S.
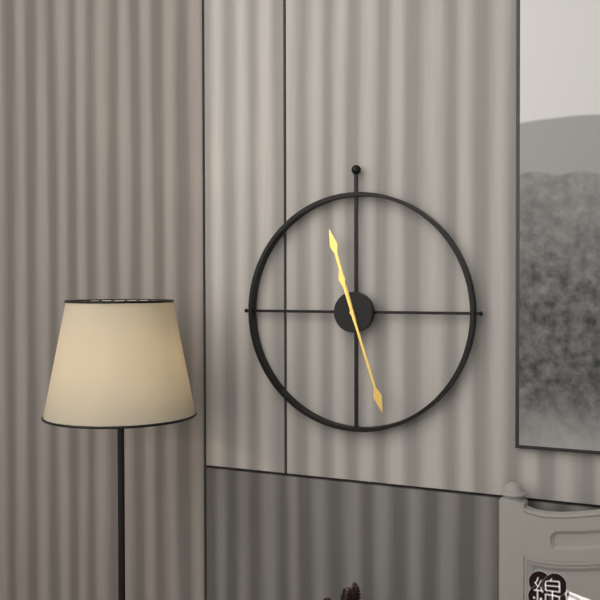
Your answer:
{"hour": 11, "minute": 27}
